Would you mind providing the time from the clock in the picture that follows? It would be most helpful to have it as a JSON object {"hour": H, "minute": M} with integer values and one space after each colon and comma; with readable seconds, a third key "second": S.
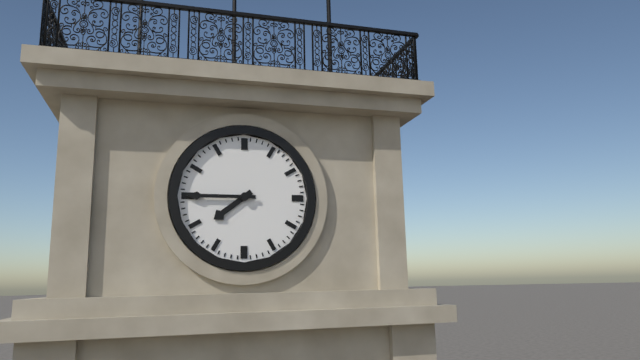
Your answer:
{"hour": 7, "minute": 45}
